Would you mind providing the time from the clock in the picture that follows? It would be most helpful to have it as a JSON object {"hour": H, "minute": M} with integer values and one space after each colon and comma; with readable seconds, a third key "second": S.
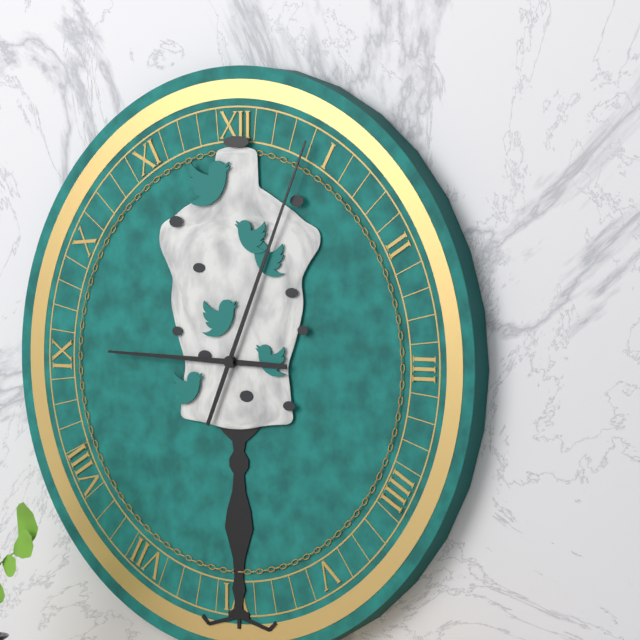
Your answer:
{"hour": 9, "minute": 4}
